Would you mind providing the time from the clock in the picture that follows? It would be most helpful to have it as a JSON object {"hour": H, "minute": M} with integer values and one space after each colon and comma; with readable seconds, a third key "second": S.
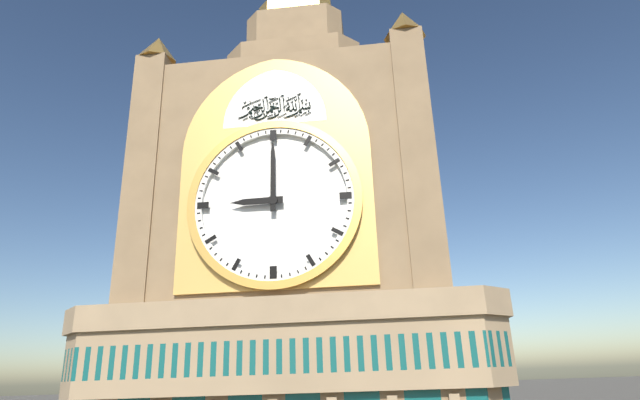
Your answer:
{"hour": 9, "minute": 0}
